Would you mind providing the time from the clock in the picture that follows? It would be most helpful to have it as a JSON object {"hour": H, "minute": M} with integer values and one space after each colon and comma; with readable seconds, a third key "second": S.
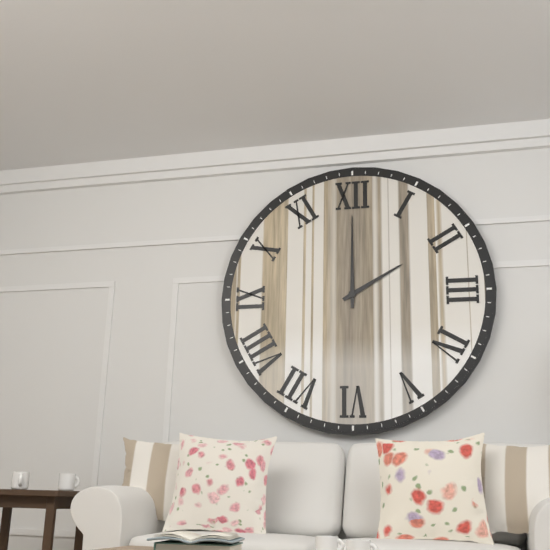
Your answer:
{"hour": 2, "minute": 0}
